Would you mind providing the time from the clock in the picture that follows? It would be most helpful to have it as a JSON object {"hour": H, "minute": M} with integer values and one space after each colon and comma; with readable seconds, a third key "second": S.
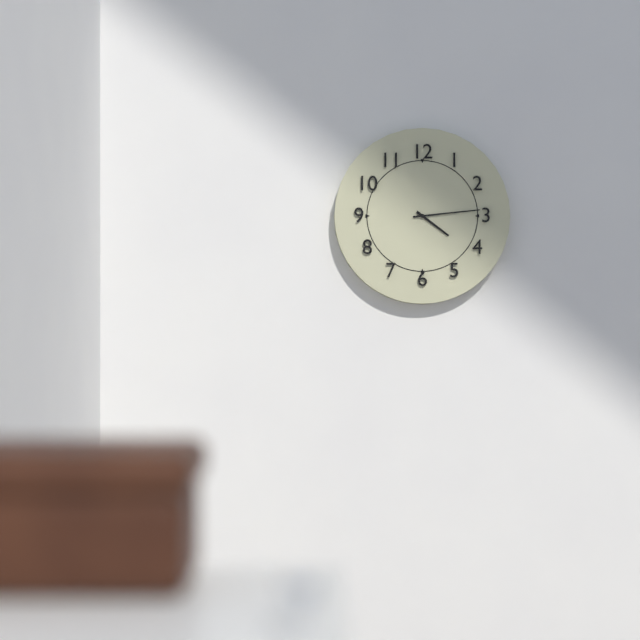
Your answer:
{"hour": 4, "minute": 14}
